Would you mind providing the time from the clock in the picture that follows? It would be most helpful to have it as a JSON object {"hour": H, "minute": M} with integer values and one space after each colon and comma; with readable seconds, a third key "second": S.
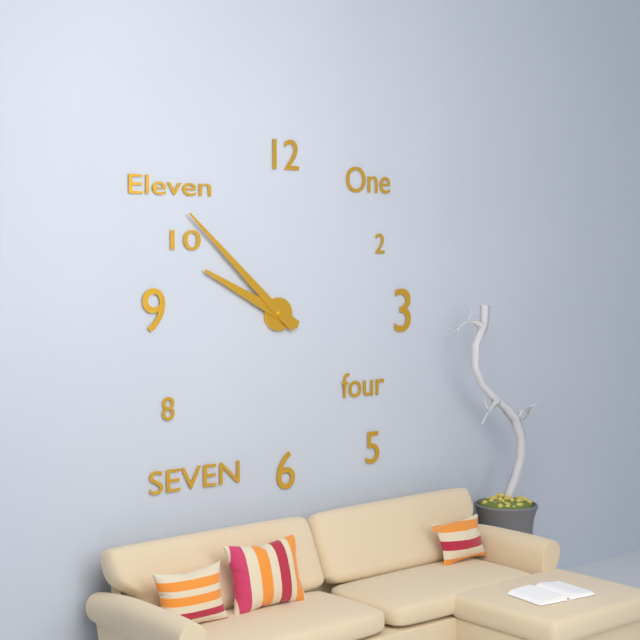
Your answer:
{"hour": 9, "minute": 52}
